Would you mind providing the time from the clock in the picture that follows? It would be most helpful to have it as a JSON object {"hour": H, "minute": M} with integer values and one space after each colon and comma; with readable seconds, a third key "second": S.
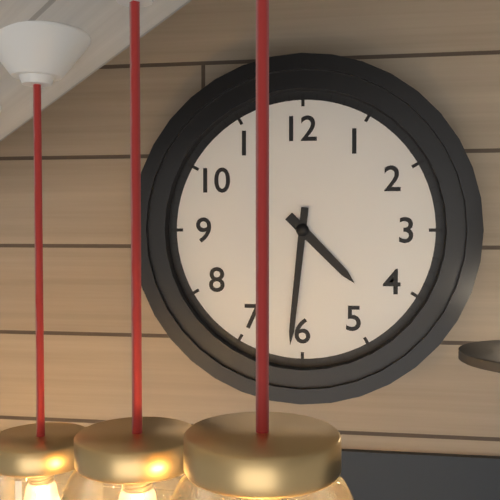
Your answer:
{"hour": 4, "minute": 31}
